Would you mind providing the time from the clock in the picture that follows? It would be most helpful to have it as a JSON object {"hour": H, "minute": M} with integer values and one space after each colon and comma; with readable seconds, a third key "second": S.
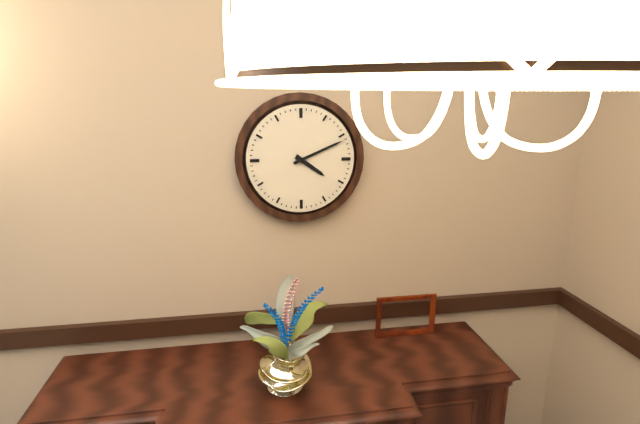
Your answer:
{"hour": 4, "minute": 11}
